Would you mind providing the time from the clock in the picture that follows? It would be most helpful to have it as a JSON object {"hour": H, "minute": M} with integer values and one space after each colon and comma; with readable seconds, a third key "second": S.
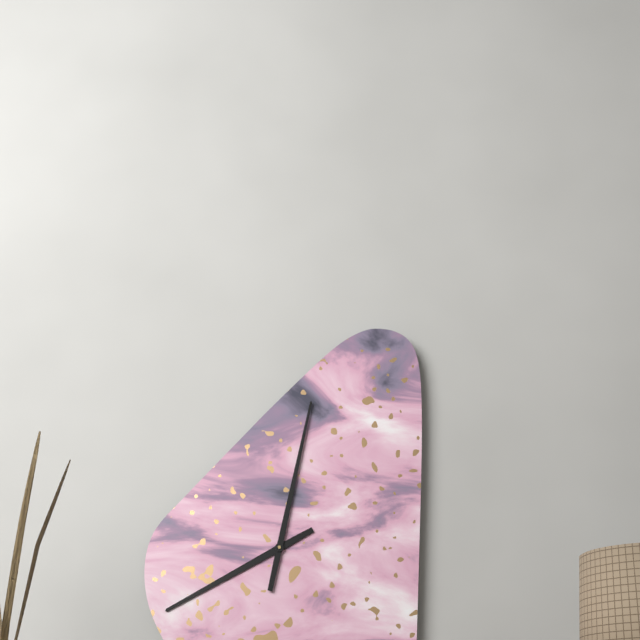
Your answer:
{"hour": 8, "minute": 2}
